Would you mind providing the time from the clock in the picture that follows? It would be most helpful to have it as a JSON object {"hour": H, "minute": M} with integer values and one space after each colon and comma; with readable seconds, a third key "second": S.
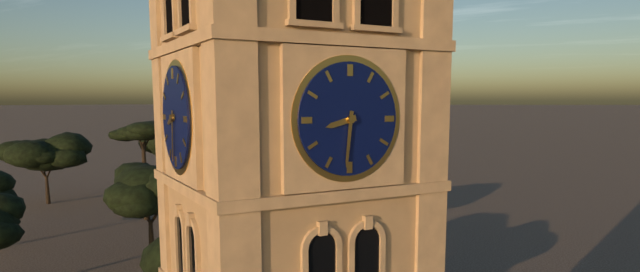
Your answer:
{"hour": 8, "minute": 31}
